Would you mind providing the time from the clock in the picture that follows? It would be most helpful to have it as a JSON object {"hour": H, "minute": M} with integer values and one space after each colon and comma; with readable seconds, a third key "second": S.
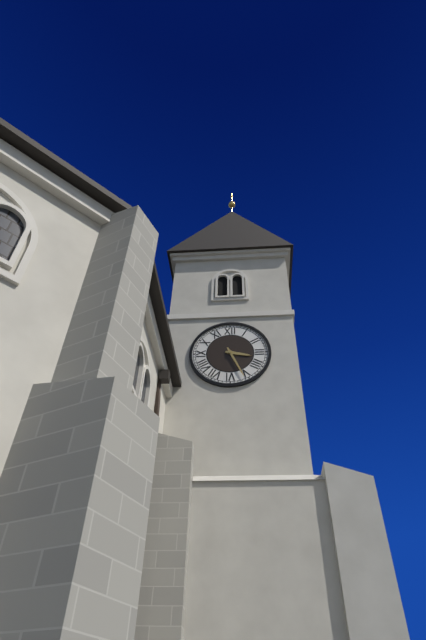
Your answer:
{"hour": 3, "minute": 26}
